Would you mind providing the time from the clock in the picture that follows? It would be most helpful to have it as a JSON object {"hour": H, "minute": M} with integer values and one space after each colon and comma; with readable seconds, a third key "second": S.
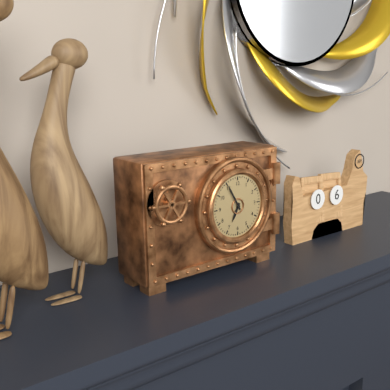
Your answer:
{"hour": 6, "minute": 55}
